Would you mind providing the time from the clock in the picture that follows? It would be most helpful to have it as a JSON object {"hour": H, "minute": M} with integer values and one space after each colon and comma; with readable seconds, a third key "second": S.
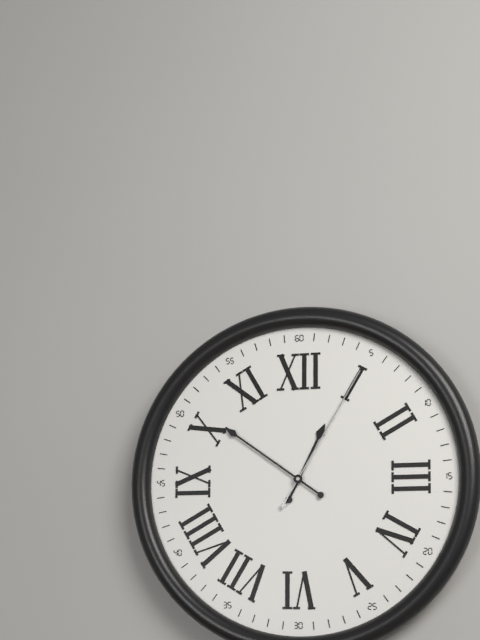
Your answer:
{"hour": 12, "minute": 51, "second": 5}
